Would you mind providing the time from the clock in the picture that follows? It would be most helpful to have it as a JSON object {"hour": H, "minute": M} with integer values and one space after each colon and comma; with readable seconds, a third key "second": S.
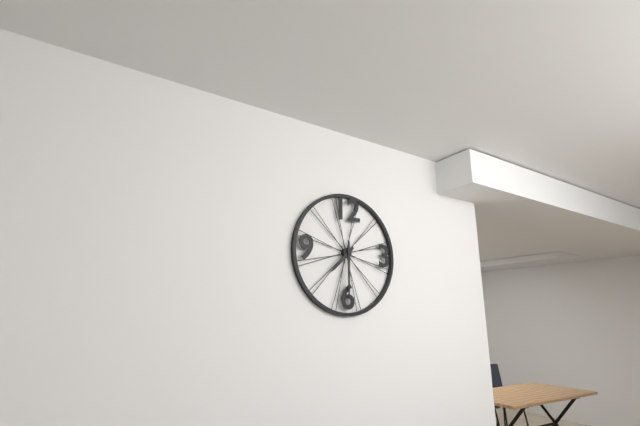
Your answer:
{"hour": 7, "minute": 30}
